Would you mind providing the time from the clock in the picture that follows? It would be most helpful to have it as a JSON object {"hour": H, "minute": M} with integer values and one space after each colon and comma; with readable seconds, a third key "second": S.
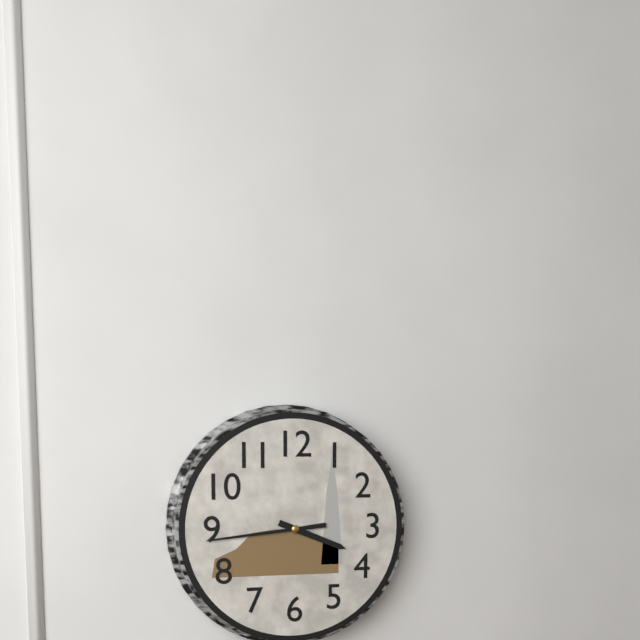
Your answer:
{"hour": 3, "minute": 44}
